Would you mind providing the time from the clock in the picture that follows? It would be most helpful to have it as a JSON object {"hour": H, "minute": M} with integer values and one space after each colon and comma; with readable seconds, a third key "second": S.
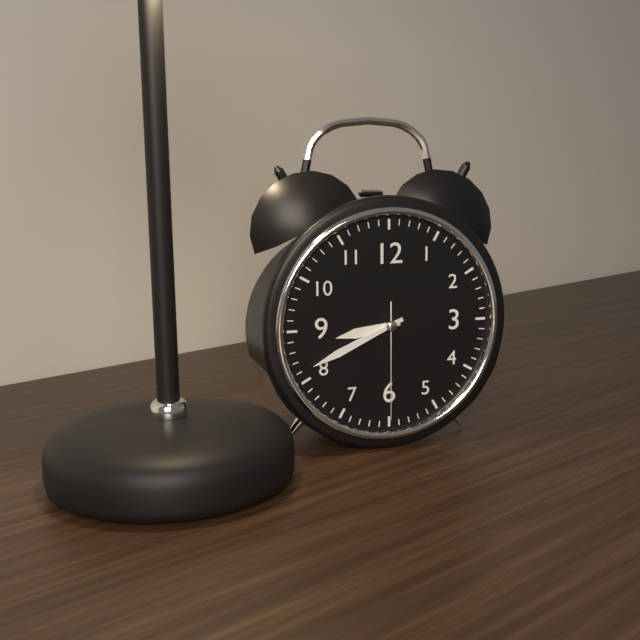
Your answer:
{"hour": 8, "minute": 41, "second": 30}
